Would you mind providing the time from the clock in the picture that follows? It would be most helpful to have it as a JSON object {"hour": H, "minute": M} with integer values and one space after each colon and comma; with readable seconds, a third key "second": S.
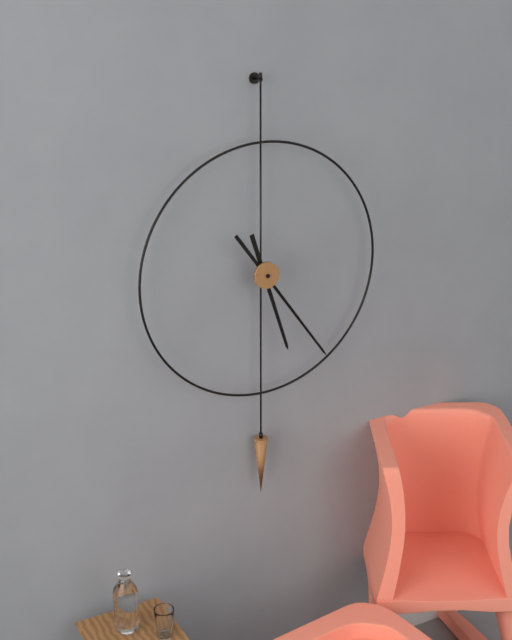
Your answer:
{"hour": 5, "minute": 24}
